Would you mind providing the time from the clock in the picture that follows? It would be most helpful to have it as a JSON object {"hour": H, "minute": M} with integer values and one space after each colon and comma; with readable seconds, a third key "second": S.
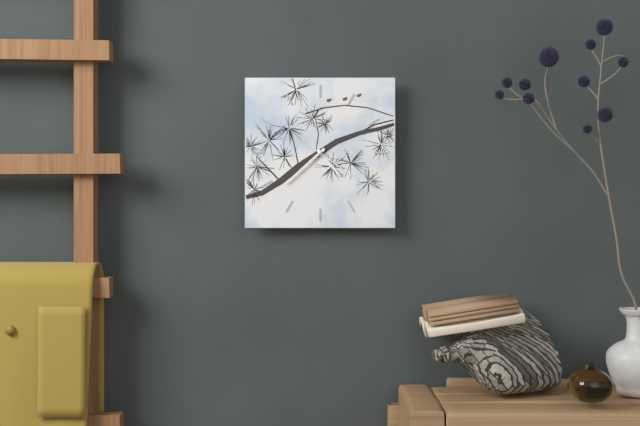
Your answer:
{"hour": 4, "minute": 38, "second": 21}
